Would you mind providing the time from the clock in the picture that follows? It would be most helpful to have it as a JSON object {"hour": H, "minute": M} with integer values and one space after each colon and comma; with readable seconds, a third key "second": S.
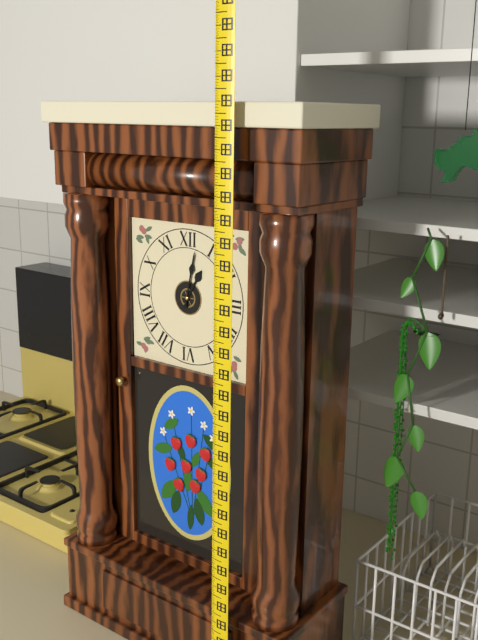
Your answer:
{"hour": 1, "minute": 2}
